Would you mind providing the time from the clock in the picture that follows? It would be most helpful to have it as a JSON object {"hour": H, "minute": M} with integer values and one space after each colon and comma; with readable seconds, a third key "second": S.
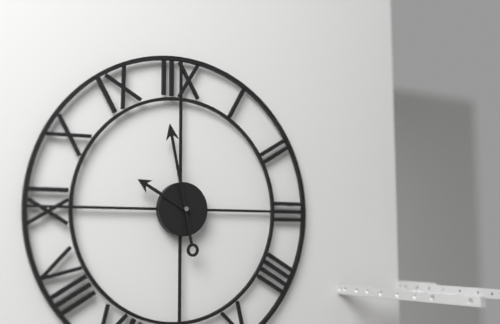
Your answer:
{"hour": 9, "minute": 58}
